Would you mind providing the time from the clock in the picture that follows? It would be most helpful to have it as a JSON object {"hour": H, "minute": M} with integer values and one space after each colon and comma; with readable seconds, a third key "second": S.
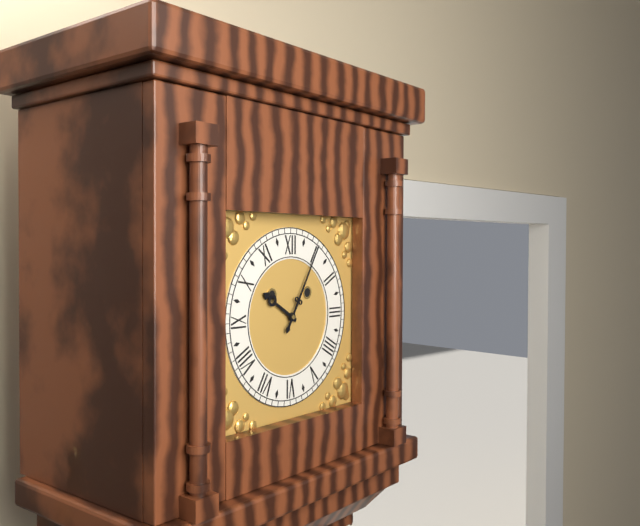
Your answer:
{"hour": 10, "minute": 5}
